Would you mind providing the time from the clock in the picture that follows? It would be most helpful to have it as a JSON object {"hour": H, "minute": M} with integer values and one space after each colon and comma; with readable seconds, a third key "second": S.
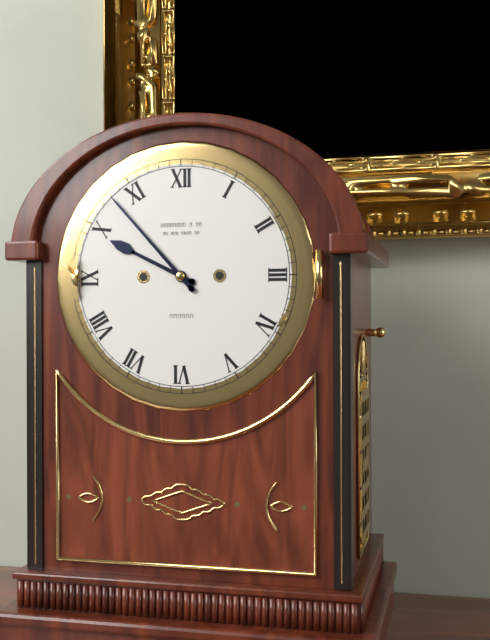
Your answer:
{"hour": 9, "minute": 53}
